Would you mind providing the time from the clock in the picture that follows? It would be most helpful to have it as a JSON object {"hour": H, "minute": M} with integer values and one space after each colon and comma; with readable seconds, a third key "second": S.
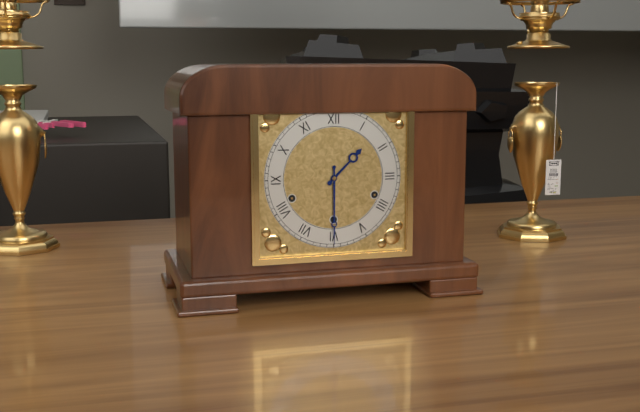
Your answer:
{"hour": 1, "minute": 30}
